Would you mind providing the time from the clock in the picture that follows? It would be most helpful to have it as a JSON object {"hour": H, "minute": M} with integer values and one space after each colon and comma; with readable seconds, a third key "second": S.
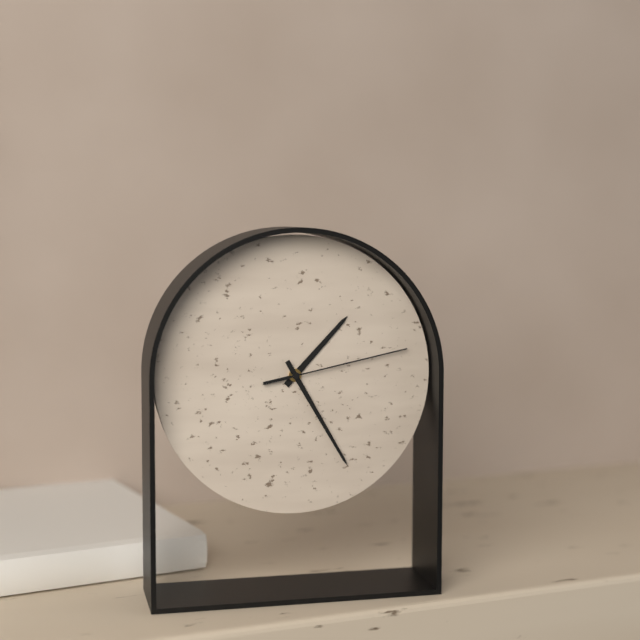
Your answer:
{"hour": 1, "minute": 25, "second": 13}
